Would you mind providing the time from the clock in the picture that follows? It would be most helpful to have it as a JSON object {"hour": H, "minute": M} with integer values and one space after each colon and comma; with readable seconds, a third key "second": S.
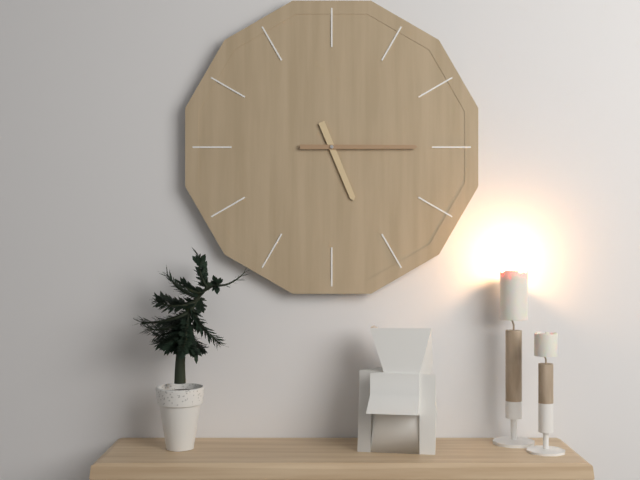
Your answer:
{"hour": 5, "minute": 15}
